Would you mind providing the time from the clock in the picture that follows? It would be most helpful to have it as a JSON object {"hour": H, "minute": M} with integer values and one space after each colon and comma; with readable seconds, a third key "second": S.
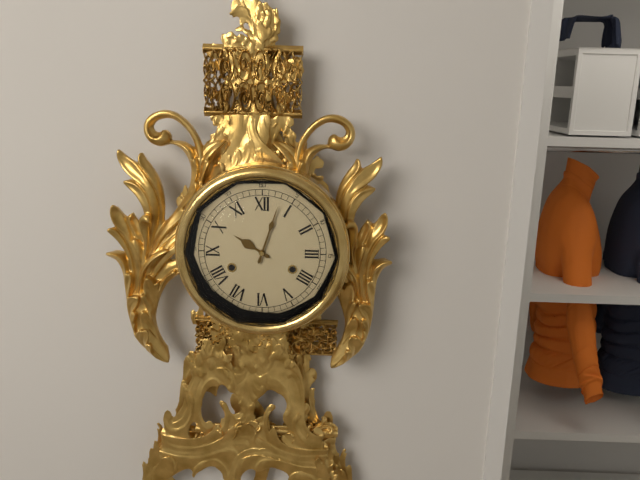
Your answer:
{"hour": 10, "minute": 3}
